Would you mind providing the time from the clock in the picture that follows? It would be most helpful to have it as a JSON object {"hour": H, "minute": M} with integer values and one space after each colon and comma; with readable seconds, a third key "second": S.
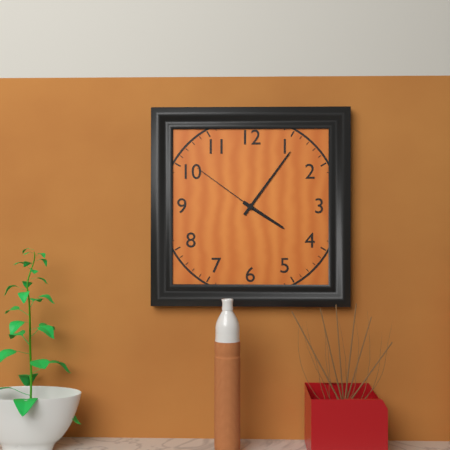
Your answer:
{"hour": 4, "minute": 6, "second": 51}
